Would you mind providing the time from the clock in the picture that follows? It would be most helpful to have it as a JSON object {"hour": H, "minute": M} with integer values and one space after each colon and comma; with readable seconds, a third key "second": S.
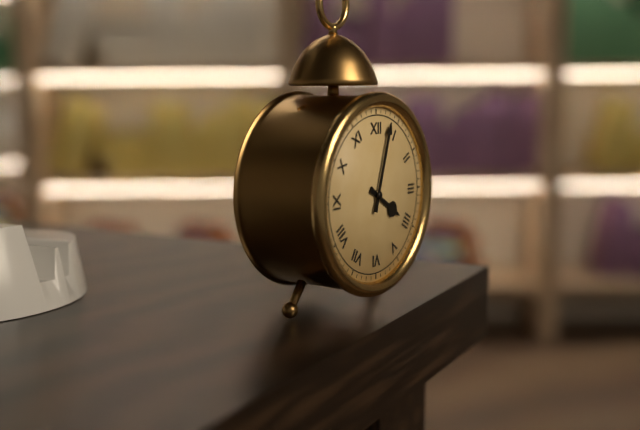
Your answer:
{"hour": 4, "minute": 3}
